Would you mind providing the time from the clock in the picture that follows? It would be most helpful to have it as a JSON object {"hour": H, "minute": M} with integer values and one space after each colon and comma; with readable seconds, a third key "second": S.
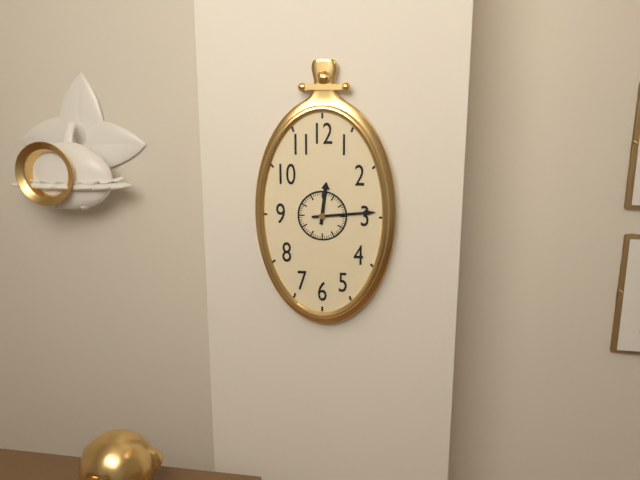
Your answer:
{"hour": 12, "minute": 14}
